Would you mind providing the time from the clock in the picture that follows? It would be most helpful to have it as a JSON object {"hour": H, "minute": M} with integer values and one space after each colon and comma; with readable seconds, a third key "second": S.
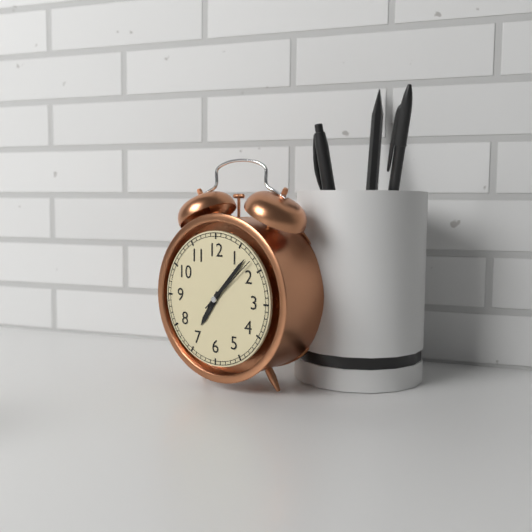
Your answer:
{"hour": 7, "minute": 7, "second": 8}
